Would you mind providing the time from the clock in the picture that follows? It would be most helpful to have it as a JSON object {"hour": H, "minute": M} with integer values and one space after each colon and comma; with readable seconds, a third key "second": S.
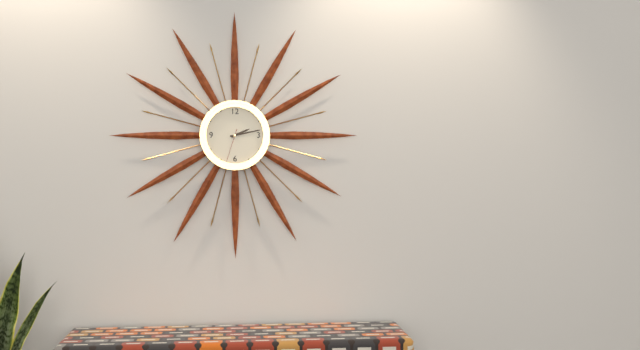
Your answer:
{"hour": 2, "minute": 13}
